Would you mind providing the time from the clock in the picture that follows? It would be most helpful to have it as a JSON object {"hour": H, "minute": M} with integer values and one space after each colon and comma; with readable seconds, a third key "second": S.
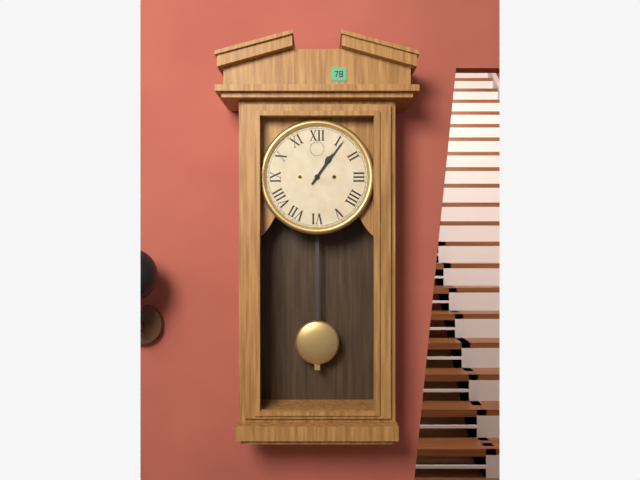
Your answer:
{"hour": 1, "minute": 6}
